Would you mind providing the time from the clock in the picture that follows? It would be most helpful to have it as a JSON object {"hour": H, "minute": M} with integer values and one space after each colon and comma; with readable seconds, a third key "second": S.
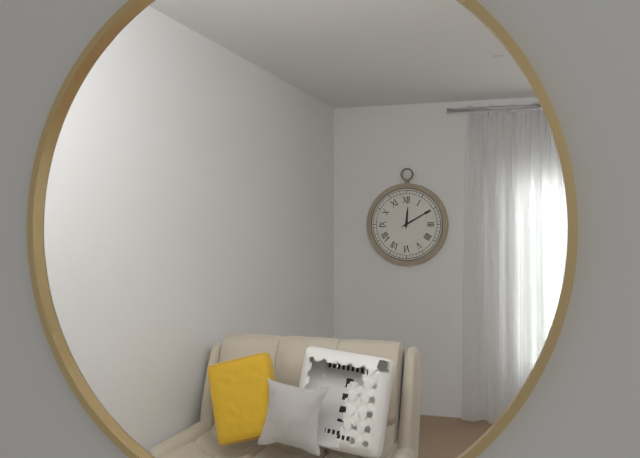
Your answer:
{"hour": 12, "minute": 10}
